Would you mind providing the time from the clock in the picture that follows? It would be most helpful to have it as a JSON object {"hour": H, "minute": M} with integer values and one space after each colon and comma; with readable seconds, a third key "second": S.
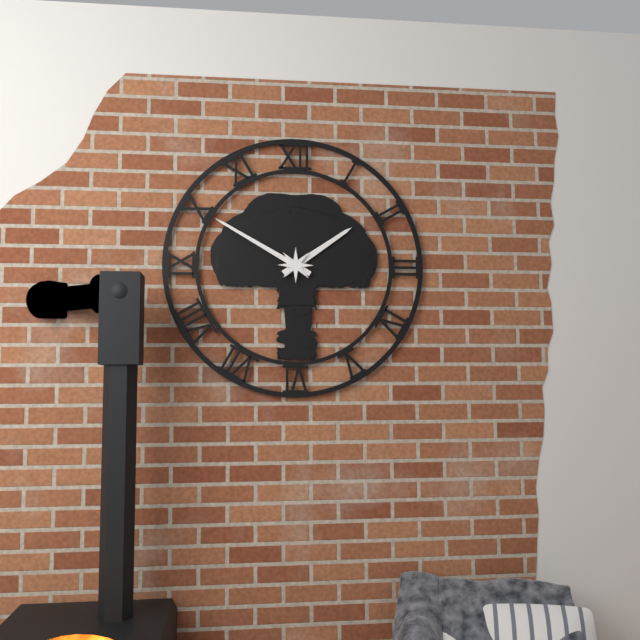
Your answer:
{"hour": 1, "minute": 50}
